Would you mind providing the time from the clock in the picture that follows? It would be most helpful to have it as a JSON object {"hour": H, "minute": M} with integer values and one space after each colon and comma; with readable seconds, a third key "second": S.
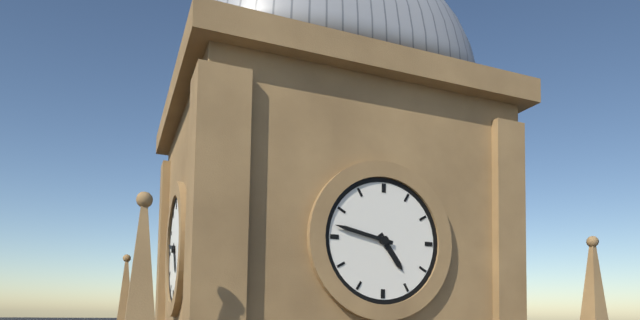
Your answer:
{"hour": 4, "minute": 47}
